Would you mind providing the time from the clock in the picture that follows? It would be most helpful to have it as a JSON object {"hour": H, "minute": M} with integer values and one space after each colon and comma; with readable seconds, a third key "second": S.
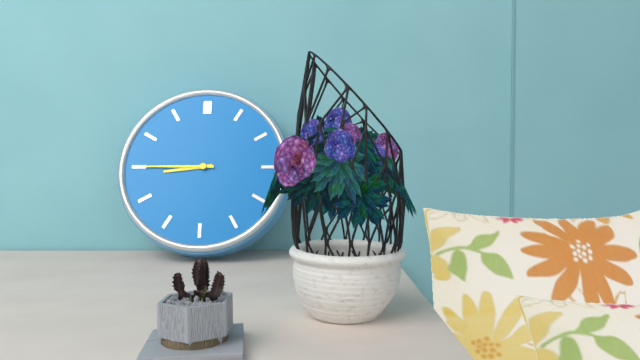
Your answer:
{"hour": 8, "minute": 45}
